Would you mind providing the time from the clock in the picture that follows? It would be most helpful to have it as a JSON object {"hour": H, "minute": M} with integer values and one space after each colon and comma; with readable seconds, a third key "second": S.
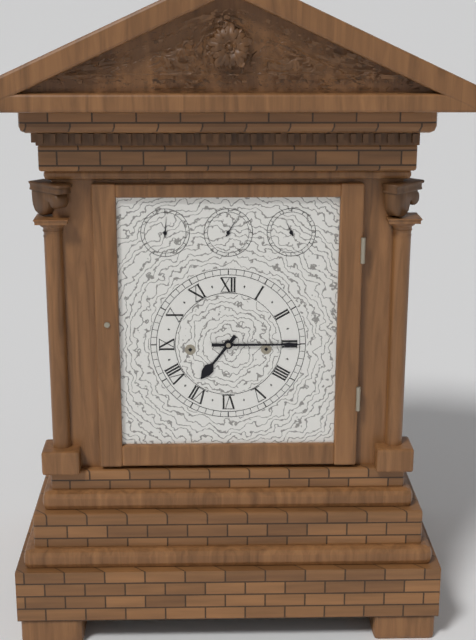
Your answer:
{"hour": 7, "minute": 15}
